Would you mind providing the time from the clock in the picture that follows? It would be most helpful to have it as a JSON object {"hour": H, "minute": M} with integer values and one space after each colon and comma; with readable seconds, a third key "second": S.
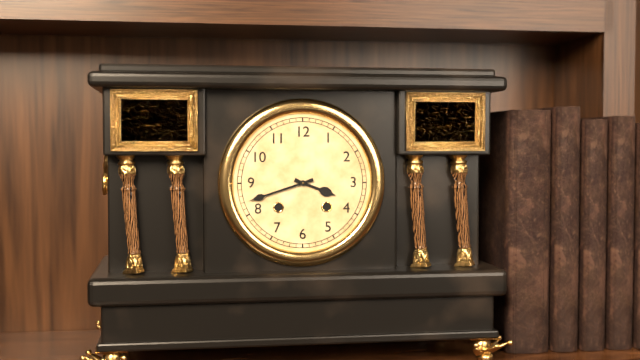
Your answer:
{"hour": 3, "minute": 42}
